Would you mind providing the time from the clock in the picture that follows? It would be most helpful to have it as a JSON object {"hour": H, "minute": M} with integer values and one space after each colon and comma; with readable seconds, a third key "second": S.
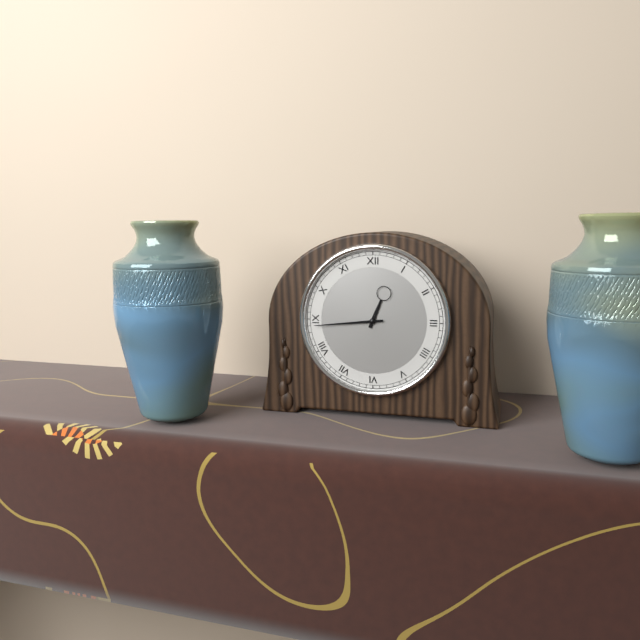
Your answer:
{"hour": 12, "minute": 44}
